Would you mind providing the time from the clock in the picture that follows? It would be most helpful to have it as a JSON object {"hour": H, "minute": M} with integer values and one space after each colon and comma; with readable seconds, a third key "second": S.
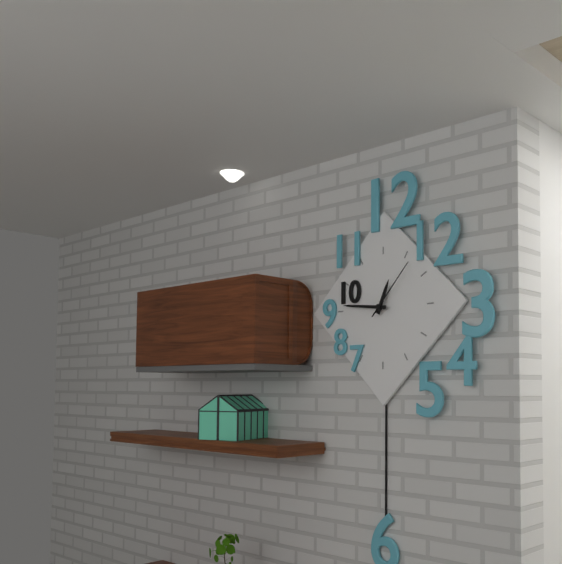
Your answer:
{"hour": 12, "minute": 46, "second": 7}
